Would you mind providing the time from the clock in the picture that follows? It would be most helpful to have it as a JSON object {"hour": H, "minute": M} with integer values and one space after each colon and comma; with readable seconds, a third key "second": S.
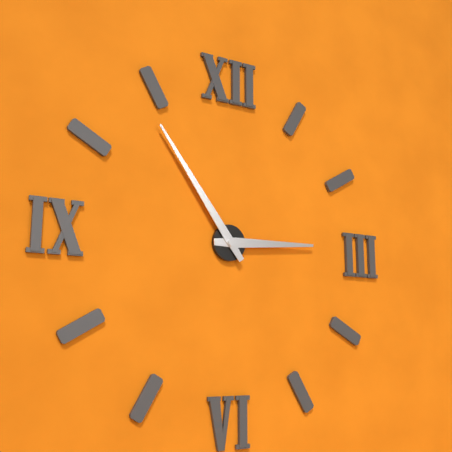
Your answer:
{"hour": 2, "minute": 54}
